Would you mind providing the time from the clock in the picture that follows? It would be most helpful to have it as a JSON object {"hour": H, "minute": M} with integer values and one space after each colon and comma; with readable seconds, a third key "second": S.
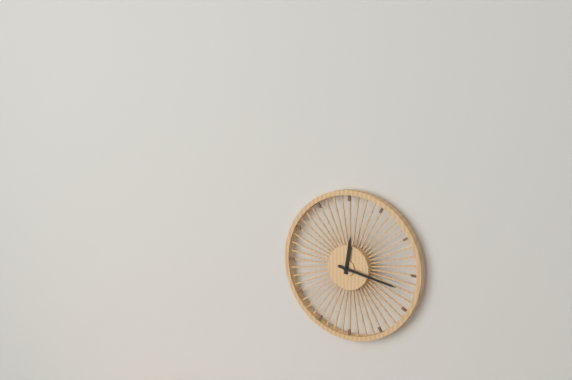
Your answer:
{"hour": 12, "minute": 17}
